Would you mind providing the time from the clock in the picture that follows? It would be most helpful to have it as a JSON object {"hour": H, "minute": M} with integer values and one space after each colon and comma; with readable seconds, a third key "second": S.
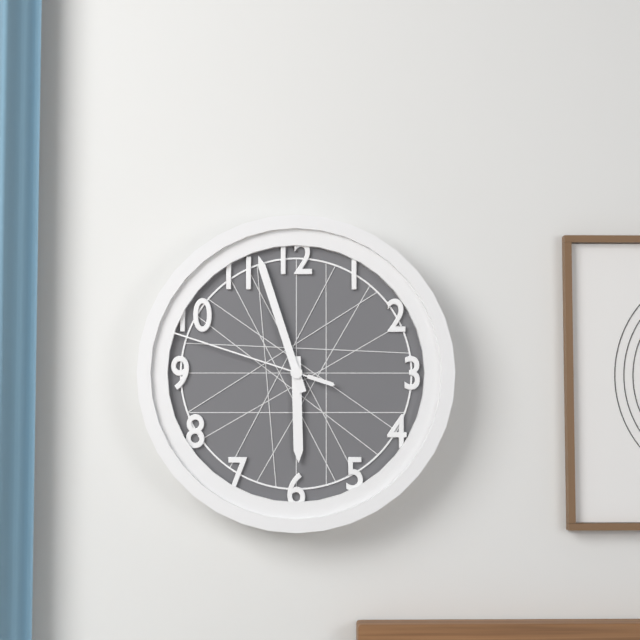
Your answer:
{"hour": 5, "minute": 57, "second": 48}
